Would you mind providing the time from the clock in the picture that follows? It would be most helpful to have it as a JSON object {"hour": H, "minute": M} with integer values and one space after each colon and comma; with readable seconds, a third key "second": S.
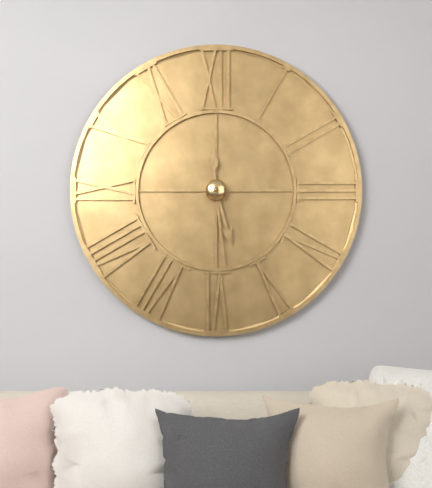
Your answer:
{"hour": 5, "minute": 29}
